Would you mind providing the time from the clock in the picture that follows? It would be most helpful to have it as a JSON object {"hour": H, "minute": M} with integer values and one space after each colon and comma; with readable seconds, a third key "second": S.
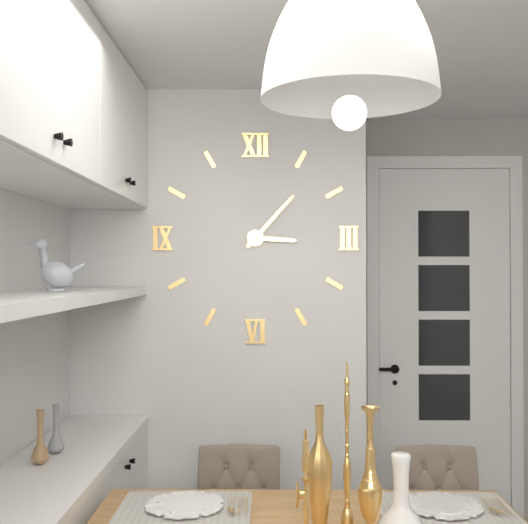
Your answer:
{"hour": 3, "minute": 7}
